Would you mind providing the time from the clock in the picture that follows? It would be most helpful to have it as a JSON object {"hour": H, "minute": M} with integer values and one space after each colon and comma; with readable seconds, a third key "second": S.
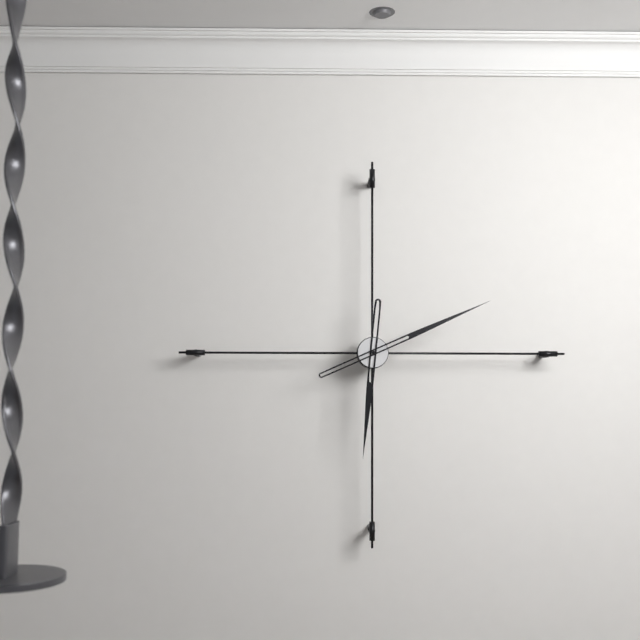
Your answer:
{"hour": 6, "minute": 11}
